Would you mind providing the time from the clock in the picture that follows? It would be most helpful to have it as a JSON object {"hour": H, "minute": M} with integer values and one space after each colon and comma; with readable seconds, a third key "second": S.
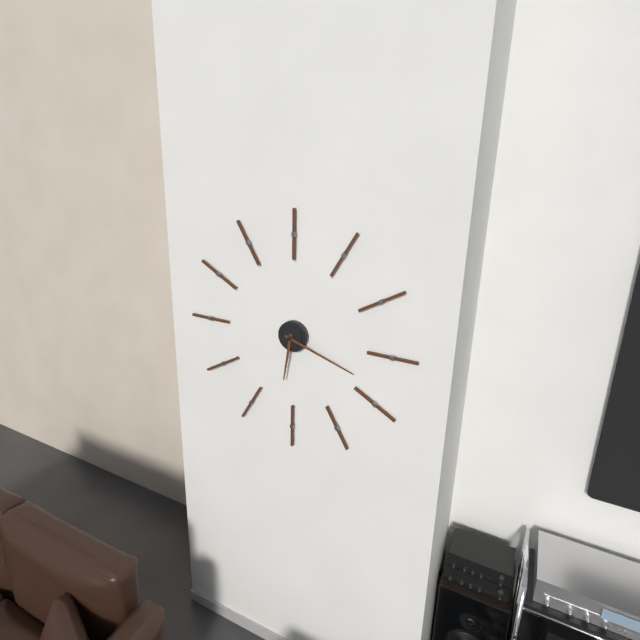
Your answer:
{"hour": 6, "minute": 18}
